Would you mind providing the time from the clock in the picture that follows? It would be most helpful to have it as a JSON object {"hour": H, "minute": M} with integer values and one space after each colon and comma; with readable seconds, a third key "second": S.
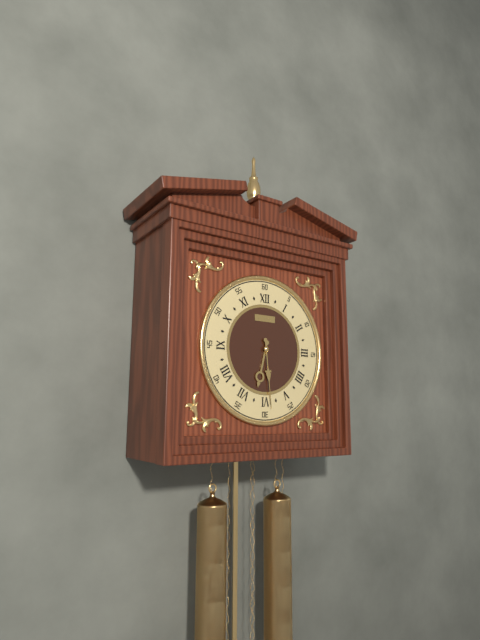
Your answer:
{"hour": 6, "minute": 29}
